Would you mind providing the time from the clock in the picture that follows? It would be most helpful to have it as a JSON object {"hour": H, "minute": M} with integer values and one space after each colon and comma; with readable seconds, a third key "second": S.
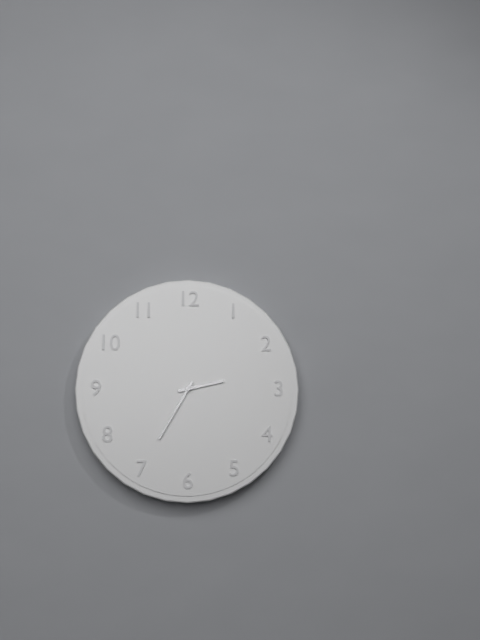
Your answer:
{"hour": 2, "minute": 35}
